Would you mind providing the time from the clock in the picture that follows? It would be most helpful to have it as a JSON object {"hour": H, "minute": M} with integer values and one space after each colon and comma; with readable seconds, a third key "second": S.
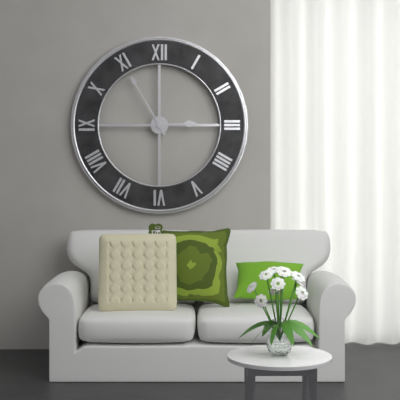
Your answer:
{"hour": 2, "minute": 55}
